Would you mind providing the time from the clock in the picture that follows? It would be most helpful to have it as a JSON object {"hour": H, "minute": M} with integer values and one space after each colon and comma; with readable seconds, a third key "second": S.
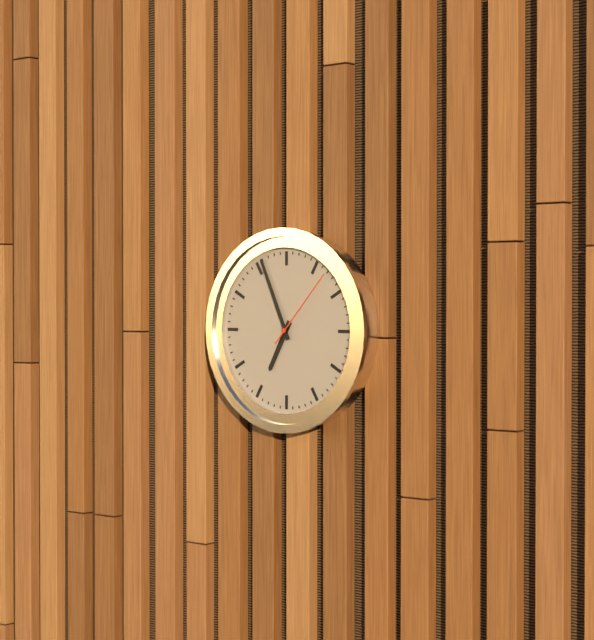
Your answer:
{"hour": 6, "minute": 56, "second": 7}
